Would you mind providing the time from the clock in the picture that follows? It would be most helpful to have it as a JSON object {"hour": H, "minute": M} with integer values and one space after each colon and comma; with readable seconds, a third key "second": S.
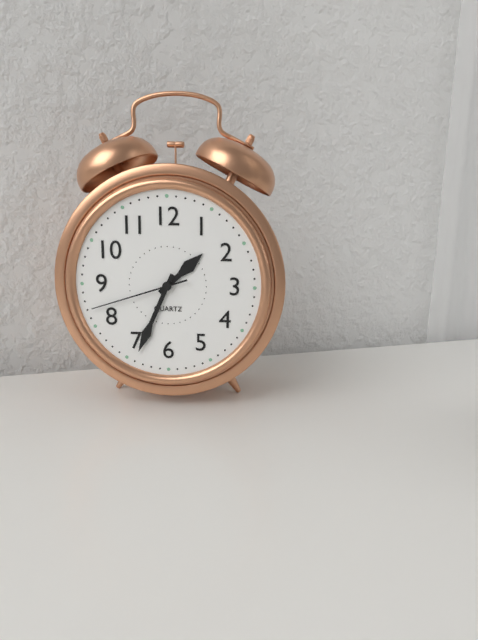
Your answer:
{"hour": 1, "minute": 34, "second": 42}
